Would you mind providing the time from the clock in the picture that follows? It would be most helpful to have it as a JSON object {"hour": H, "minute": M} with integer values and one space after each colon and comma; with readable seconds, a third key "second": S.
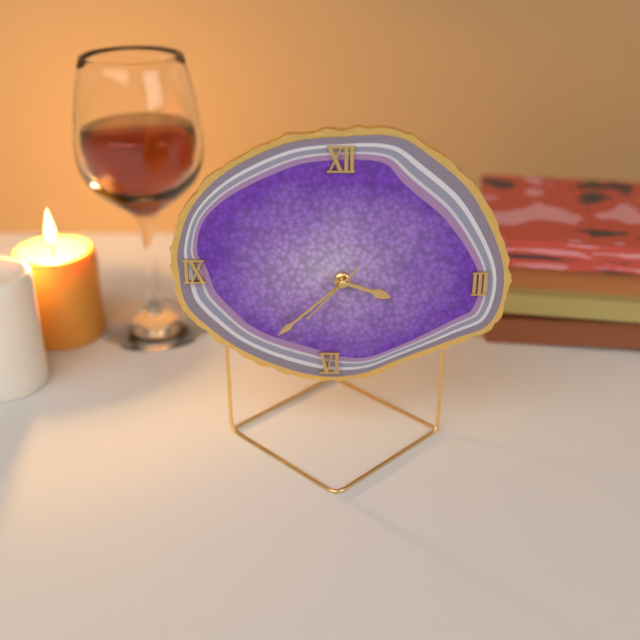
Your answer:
{"hour": 3, "minute": 38, "second": 37}
